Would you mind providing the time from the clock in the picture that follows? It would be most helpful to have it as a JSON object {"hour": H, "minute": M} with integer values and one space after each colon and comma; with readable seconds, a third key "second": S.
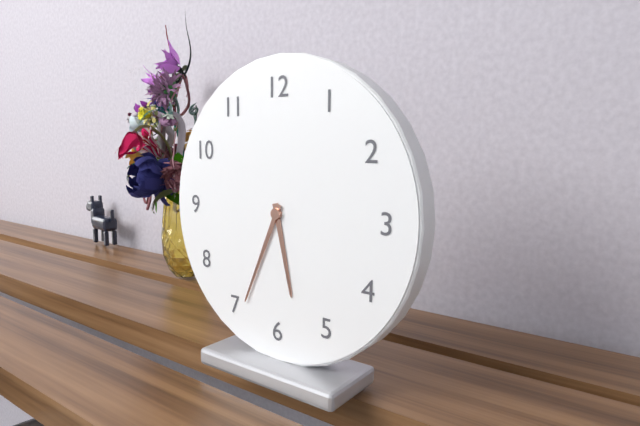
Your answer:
{"hour": 5, "minute": 34}
